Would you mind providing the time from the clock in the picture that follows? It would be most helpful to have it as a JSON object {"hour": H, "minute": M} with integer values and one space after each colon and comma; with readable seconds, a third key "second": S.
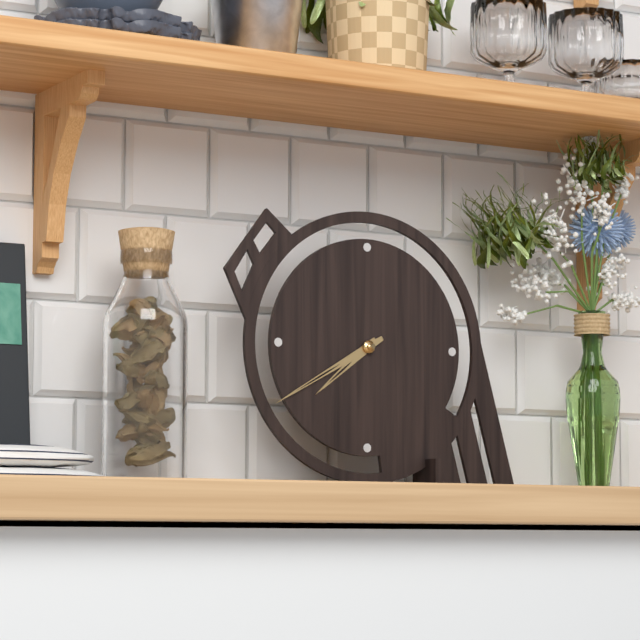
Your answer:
{"hour": 7, "minute": 40}
